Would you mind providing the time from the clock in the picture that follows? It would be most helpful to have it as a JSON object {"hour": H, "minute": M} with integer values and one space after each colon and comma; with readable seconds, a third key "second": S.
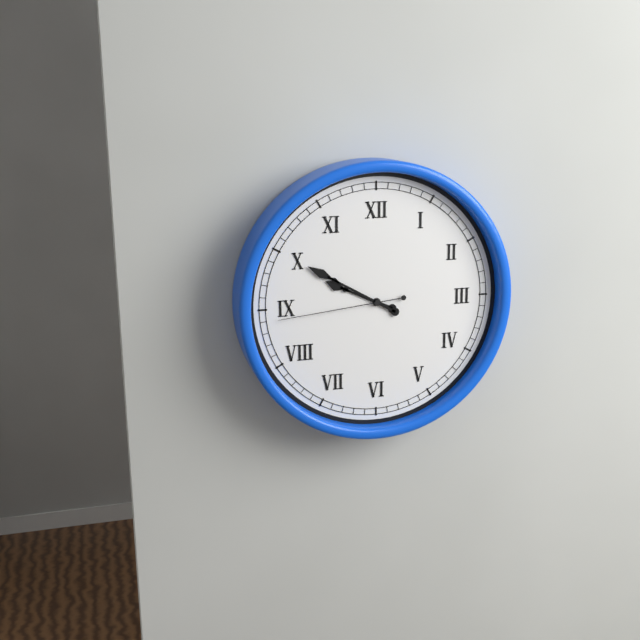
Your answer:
{"hour": 9, "minute": 50, "second": 44}
